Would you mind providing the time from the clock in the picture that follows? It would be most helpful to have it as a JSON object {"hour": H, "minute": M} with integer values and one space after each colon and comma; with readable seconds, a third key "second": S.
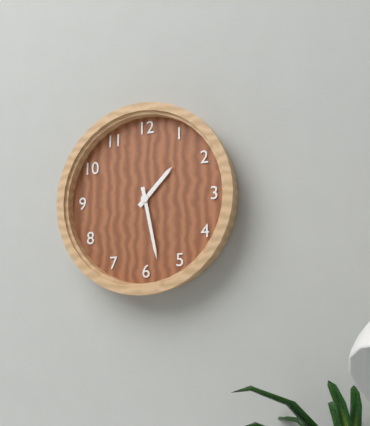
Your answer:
{"hour": 1, "minute": 28}
